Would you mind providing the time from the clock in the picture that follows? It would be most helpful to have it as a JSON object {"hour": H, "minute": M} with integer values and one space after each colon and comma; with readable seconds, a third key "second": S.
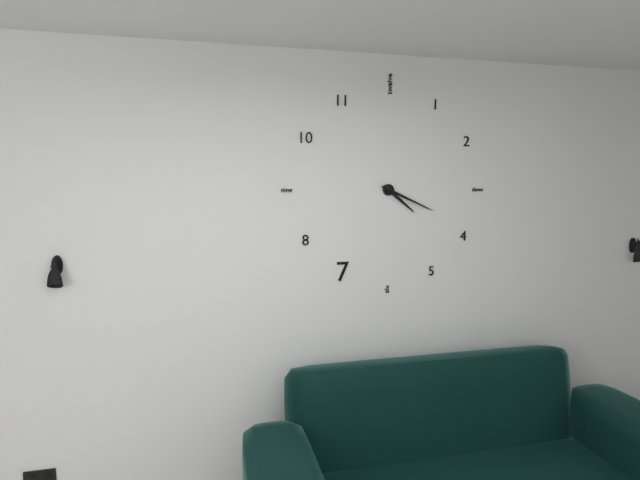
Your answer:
{"hour": 4, "minute": 19}
